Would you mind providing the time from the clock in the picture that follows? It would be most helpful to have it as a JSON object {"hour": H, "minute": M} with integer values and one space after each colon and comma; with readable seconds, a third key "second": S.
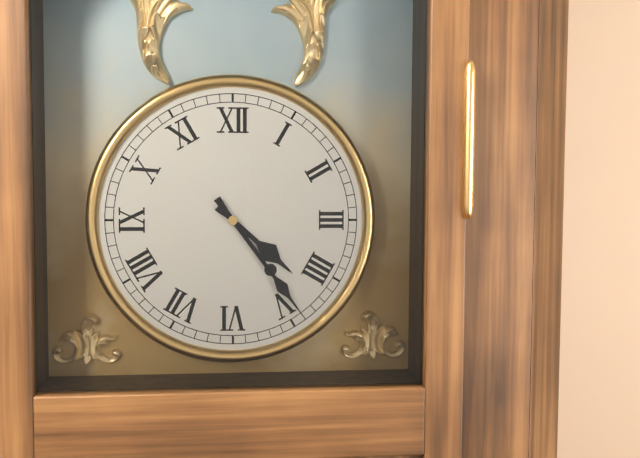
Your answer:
{"hour": 4, "minute": 24}
